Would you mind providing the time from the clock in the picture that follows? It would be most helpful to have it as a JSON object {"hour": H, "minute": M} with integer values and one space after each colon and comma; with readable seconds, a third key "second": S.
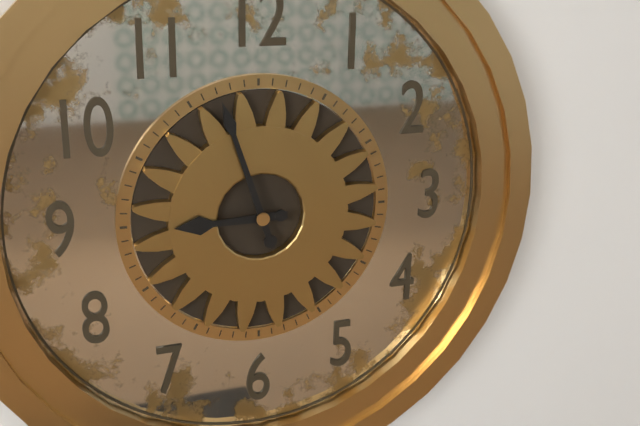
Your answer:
{"hour": 8, "minute": 57}
